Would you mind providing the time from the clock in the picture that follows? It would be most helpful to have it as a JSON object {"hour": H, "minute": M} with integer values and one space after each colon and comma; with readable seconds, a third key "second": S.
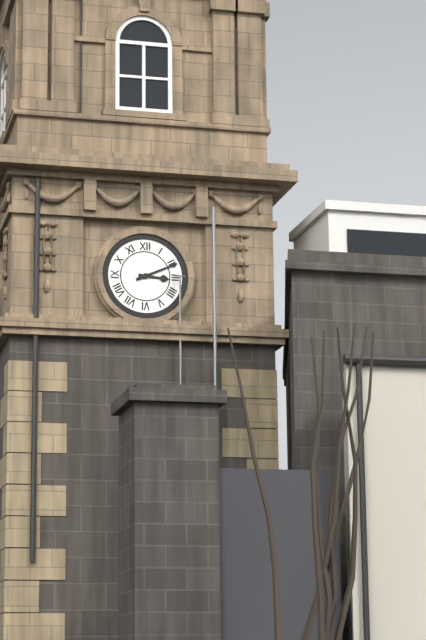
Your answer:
{"hour": 3, "minute": 11}
